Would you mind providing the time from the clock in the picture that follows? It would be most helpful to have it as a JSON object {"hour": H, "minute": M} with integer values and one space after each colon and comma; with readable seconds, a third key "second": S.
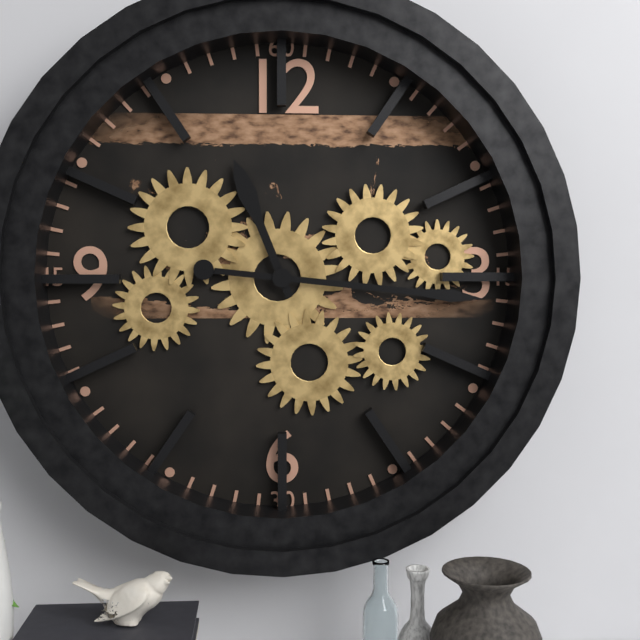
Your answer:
{"hour": 11, "minute": 16}
